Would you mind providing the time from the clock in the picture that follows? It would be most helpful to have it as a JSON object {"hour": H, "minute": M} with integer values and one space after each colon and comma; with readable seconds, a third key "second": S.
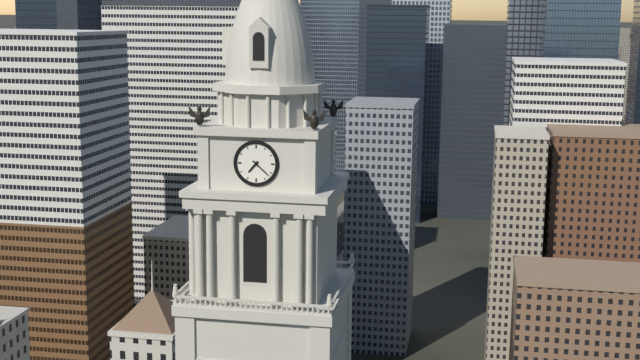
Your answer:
{"hour": 7, "minute": 22}
